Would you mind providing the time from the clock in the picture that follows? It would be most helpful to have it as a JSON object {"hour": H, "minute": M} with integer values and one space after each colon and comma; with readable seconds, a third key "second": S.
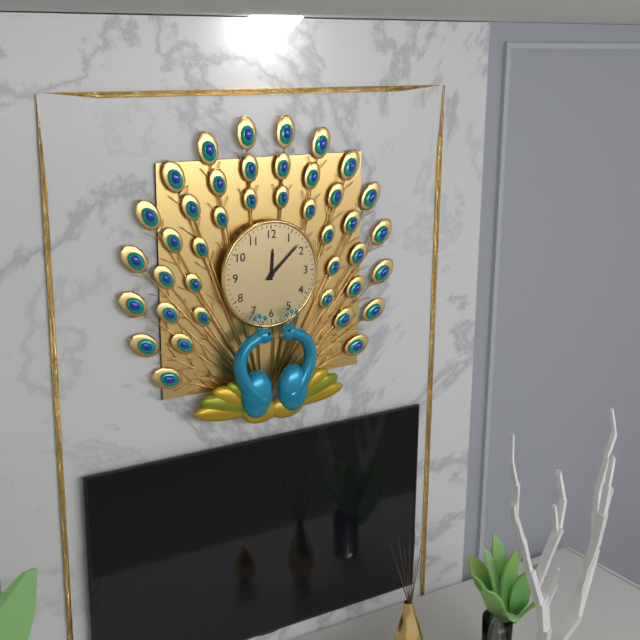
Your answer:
{"hour": 12, "minute": 8}
